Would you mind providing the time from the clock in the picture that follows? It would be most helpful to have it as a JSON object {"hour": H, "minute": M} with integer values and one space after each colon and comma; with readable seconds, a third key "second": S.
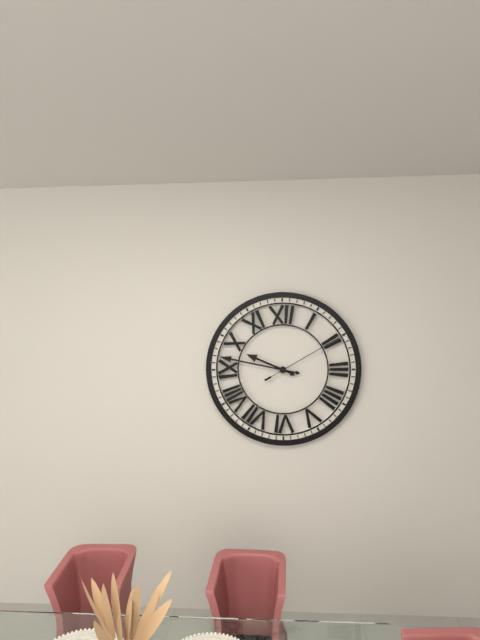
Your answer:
{"hour": 9, "minute": 47, "second": 10}
